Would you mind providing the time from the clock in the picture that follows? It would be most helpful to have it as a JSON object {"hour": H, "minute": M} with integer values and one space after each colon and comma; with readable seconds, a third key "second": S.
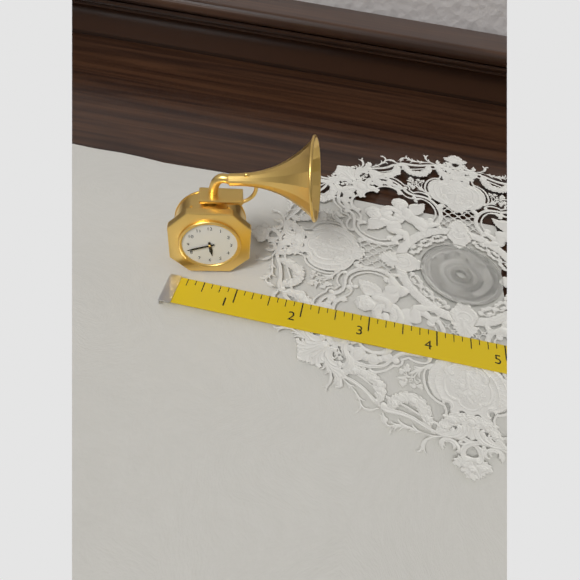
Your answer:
{"hour": 5, "minute": 42}
